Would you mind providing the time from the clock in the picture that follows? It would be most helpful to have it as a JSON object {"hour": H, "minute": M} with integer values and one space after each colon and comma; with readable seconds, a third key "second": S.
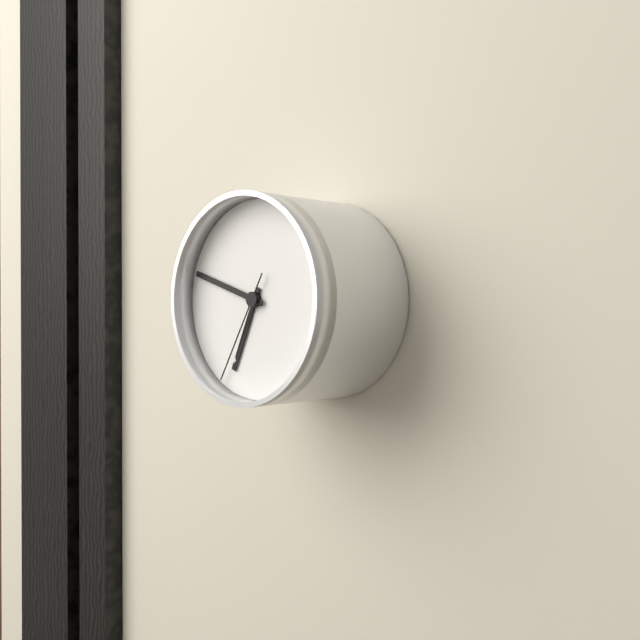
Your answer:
{"hour": 6, "minute": 48, "second": 35}
